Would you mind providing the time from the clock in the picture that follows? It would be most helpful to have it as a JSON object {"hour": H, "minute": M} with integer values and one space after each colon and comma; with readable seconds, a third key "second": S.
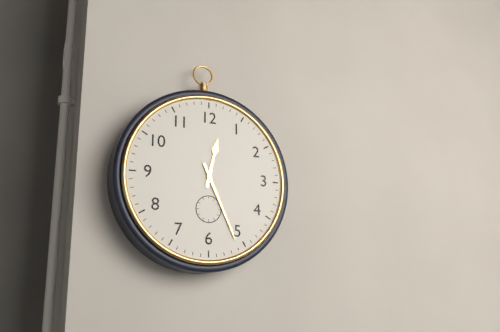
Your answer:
{"hour": 12, "minute": 26}
